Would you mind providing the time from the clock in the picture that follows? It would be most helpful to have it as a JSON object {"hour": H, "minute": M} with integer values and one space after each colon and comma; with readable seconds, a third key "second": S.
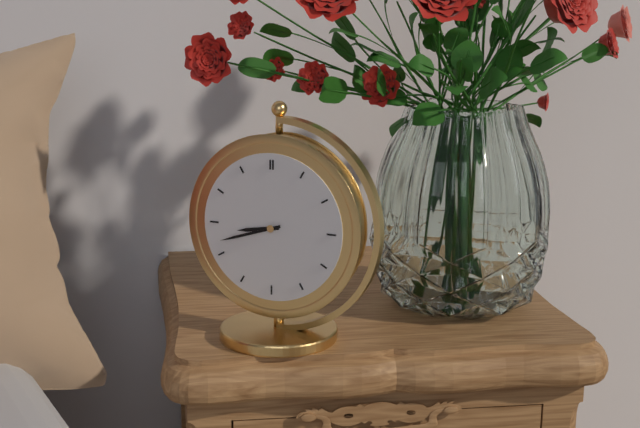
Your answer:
{"hour": 8, "minute": 42}
